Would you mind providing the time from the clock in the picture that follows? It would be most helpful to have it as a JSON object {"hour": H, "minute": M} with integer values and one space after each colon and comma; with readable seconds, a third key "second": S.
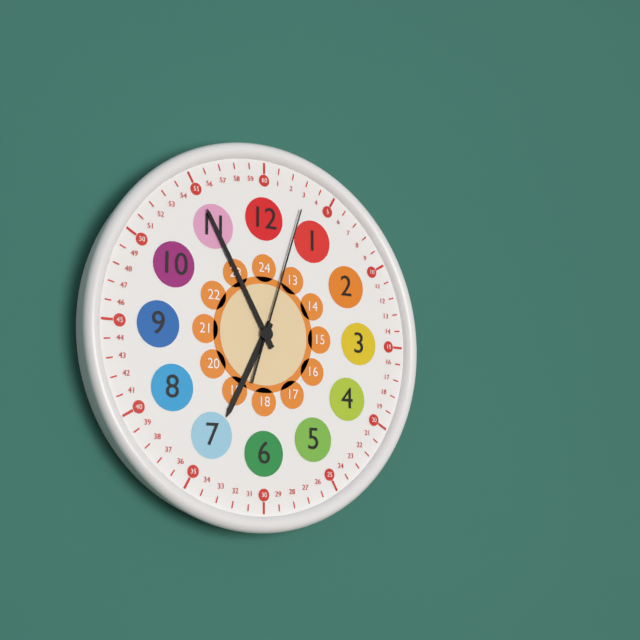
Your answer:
{"hour": 6, "minute": 55, "second": 3}
